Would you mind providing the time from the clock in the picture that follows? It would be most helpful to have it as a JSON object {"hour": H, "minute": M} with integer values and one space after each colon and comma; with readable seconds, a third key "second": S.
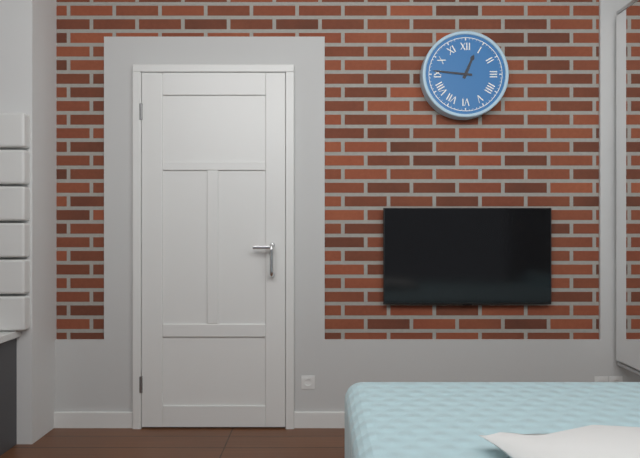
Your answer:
{"hour": 12, "minute": 46}
